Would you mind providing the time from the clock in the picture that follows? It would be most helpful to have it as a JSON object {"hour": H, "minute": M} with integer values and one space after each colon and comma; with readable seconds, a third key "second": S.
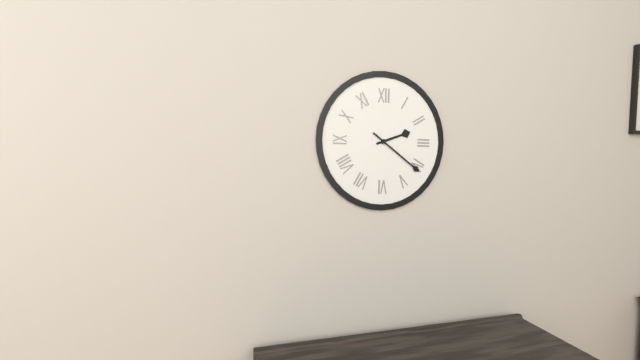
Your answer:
{"hour": 2, "minute": 21}
